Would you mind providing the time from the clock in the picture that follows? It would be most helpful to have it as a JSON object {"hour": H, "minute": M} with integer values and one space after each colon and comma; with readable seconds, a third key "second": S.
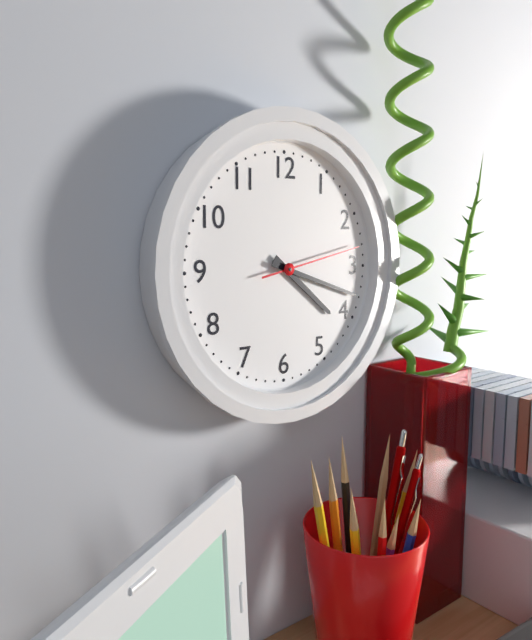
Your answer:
{"hour": 4, "minute": 18, "second": 13}
